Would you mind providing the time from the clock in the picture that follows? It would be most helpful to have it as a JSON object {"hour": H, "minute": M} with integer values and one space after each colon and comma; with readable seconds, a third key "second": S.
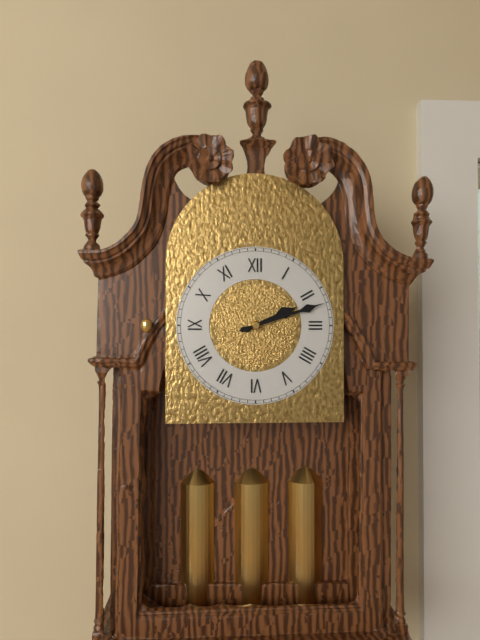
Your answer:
{"hour": 2, "minute": 12}
